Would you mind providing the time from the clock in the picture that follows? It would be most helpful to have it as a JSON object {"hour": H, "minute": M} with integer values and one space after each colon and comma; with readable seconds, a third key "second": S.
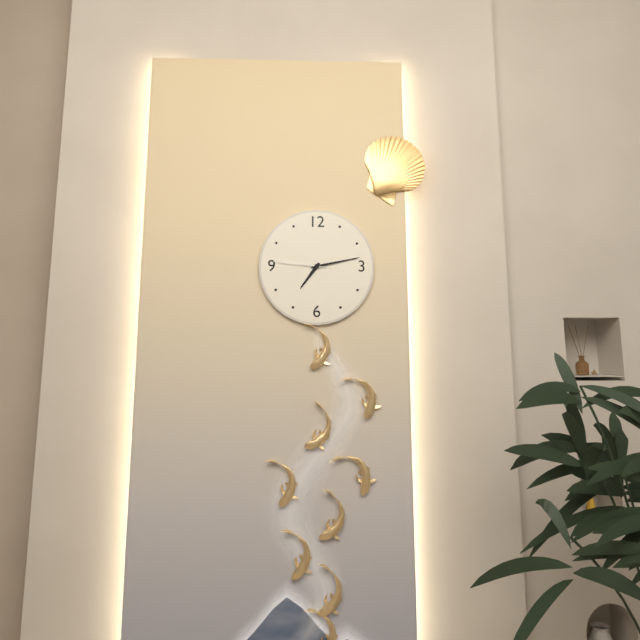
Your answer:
{"hour": 7, "minute": 13, "second": 46}
